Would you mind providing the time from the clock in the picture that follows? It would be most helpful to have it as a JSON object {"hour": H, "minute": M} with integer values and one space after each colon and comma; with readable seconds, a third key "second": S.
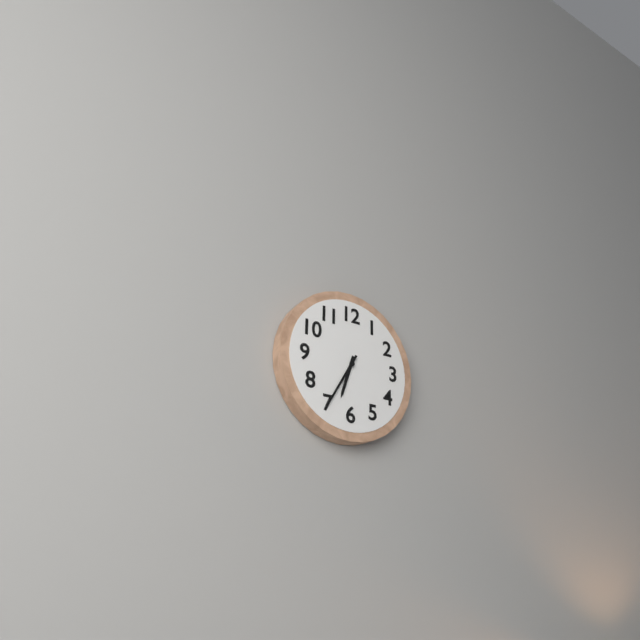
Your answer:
{"hour": 6, "minute": 35}
